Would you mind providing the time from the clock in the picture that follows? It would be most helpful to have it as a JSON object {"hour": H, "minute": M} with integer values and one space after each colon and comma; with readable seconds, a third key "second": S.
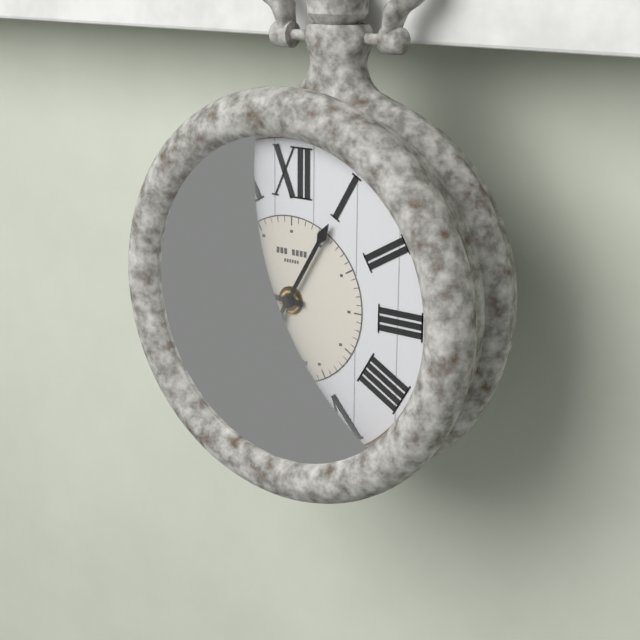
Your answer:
{"hour": 9, "minute": 5}
